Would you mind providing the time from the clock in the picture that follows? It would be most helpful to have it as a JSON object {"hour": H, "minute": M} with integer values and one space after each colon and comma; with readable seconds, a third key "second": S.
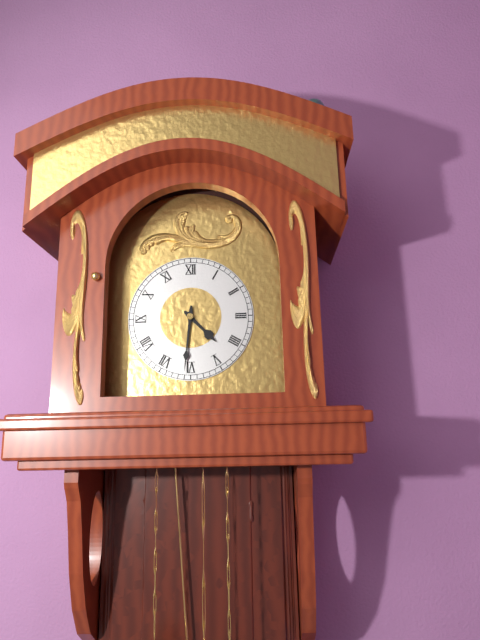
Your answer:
{"hour": 4, "minute": 31}
